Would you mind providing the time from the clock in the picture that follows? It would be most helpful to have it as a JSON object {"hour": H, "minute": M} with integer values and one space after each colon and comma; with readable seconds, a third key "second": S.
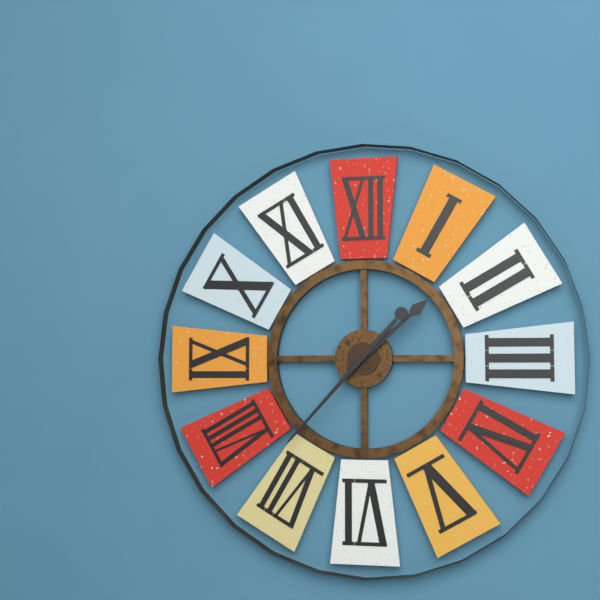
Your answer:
{"hour": 1, "minute": 37}
